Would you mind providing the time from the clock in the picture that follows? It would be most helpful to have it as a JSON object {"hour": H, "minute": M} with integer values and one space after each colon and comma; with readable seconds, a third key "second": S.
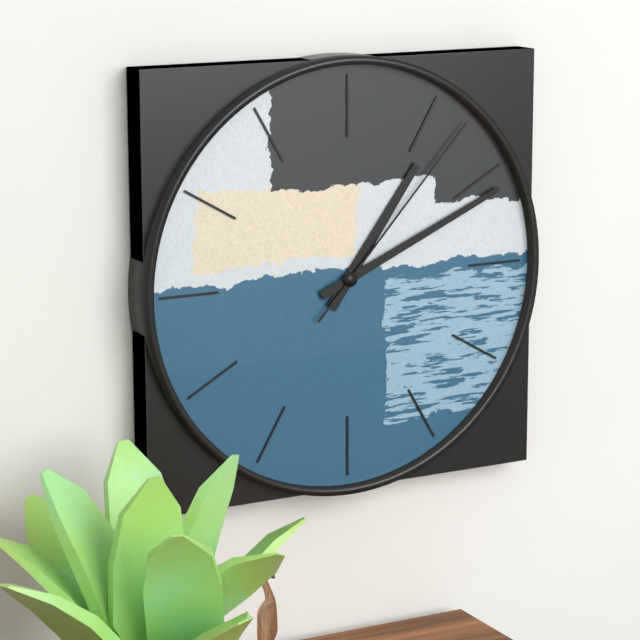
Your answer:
{"hour": 1, "minute": 11, "second": 7}
